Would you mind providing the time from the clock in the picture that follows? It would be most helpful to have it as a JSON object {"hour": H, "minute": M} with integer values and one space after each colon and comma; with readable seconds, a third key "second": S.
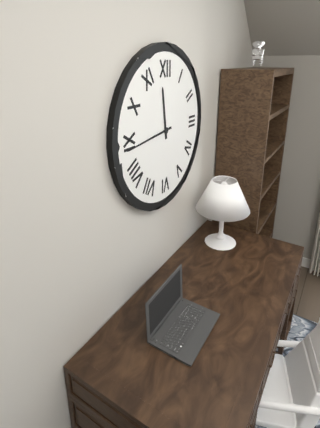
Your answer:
{"hour": 11, "minute": 44}
